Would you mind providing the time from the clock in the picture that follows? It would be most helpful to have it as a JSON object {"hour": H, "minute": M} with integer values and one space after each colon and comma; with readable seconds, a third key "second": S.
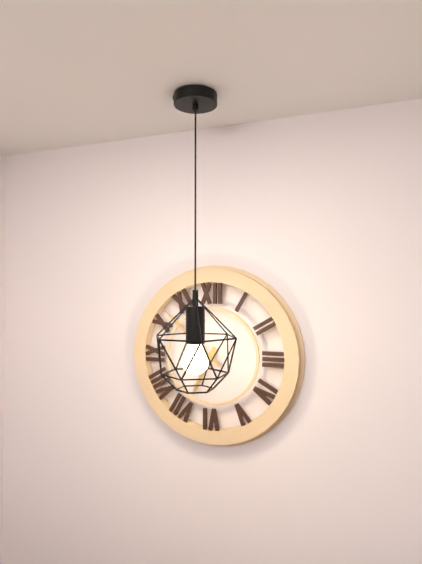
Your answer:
{"hour": 6, "minute": 52}
